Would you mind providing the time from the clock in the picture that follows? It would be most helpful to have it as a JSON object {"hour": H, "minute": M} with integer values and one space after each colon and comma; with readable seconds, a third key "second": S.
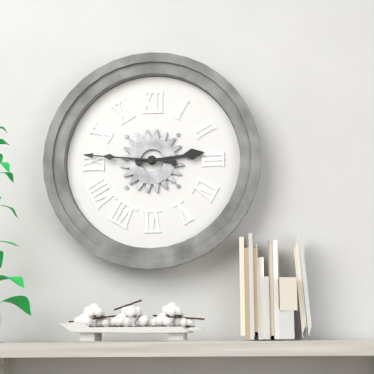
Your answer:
{"hour": 2, "minute": 46}
